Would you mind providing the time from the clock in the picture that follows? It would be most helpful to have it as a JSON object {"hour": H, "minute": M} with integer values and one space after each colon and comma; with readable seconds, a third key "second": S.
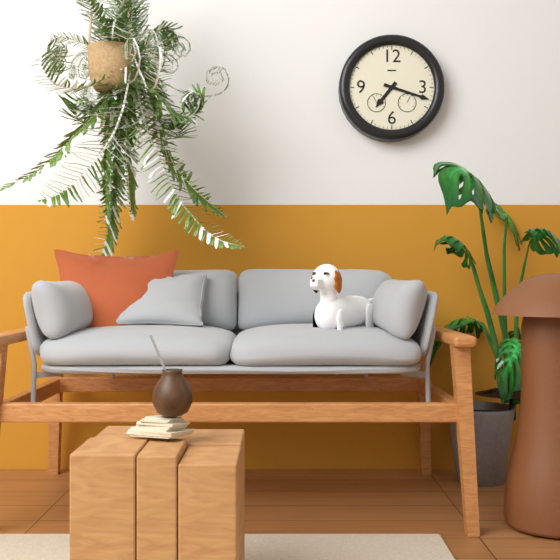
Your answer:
{"hour": 7, "minute": 18}
